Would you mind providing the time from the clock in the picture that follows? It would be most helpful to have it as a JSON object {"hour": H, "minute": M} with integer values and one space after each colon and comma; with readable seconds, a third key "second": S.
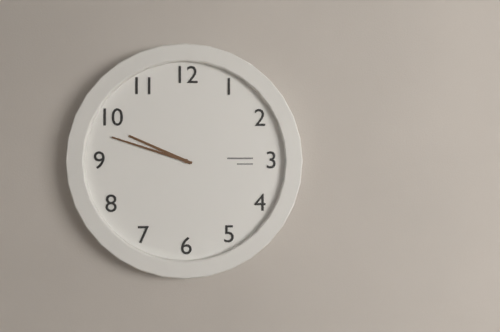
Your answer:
{"hour": 9, "minute": 48}
